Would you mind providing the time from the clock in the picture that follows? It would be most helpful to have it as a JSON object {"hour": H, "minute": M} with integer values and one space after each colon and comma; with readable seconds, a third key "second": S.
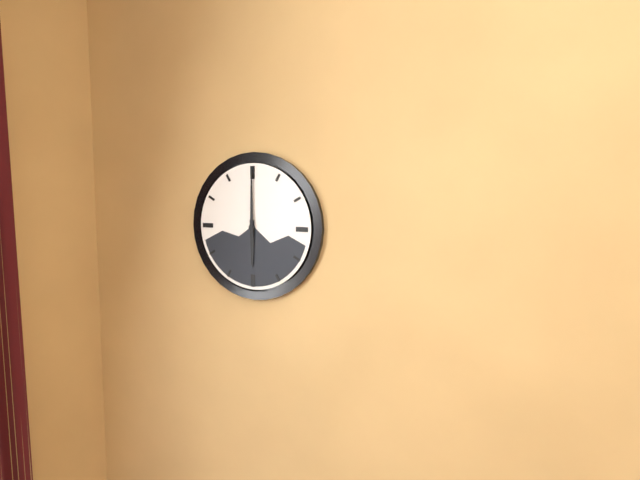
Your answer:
{"hour": 6, "minute": 0}
